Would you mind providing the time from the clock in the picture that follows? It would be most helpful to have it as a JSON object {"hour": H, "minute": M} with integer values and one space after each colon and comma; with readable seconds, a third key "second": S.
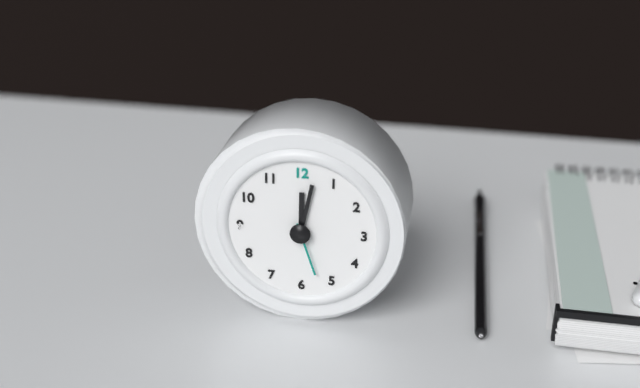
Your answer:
{"hour": 12, "minute": 2, "second": 27}
